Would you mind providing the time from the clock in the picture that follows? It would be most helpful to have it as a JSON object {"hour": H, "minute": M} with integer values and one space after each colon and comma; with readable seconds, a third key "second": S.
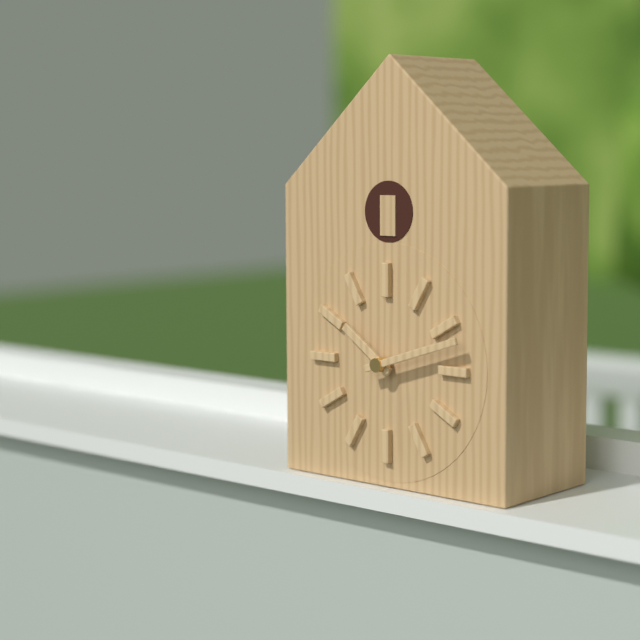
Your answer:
{"hour": 10, "minute": 12}
